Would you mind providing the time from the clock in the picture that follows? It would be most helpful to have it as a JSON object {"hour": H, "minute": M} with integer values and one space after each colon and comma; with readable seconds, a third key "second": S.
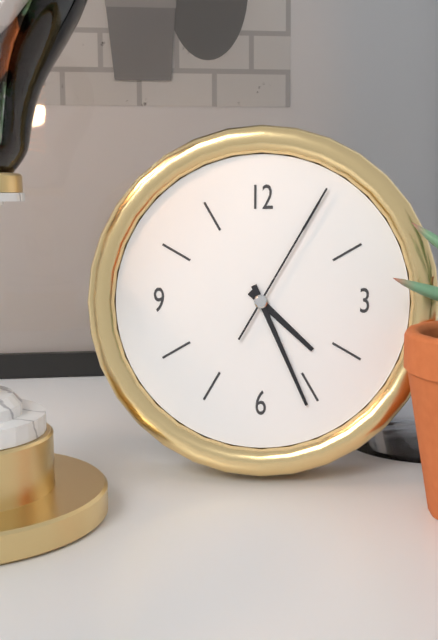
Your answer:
{"hour": 4, "minute": 26, "second": 5}
